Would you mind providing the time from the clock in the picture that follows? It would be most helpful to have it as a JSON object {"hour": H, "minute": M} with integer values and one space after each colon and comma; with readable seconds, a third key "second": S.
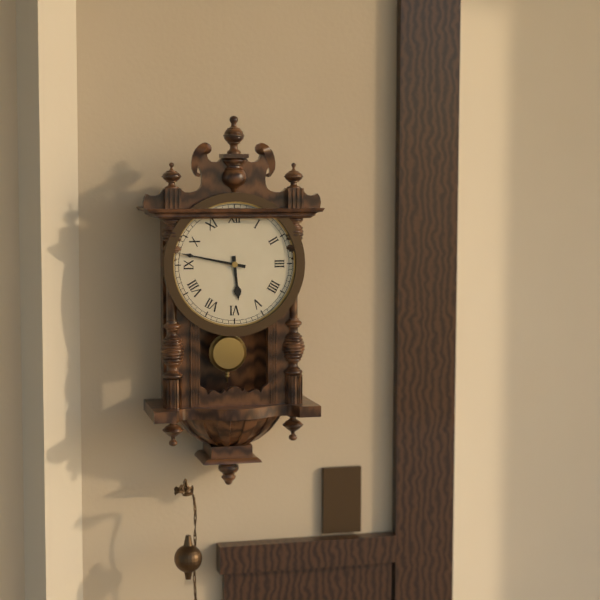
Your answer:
{"hour": 5, "minute": 47}
